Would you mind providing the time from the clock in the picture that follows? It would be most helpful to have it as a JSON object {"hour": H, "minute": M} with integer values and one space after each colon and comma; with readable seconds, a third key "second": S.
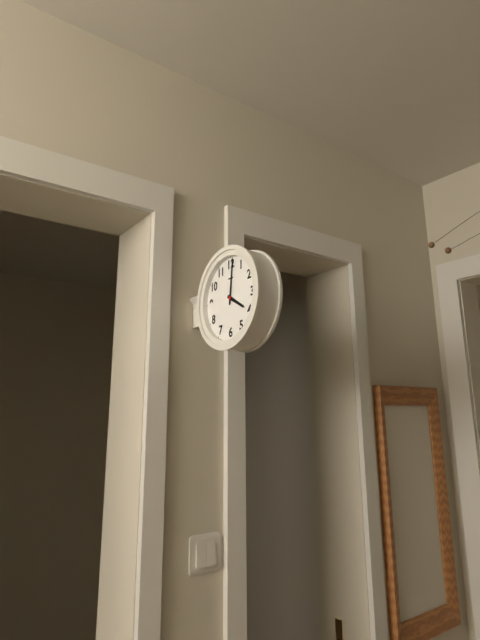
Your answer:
{"hour": 4, "minute": 1}
